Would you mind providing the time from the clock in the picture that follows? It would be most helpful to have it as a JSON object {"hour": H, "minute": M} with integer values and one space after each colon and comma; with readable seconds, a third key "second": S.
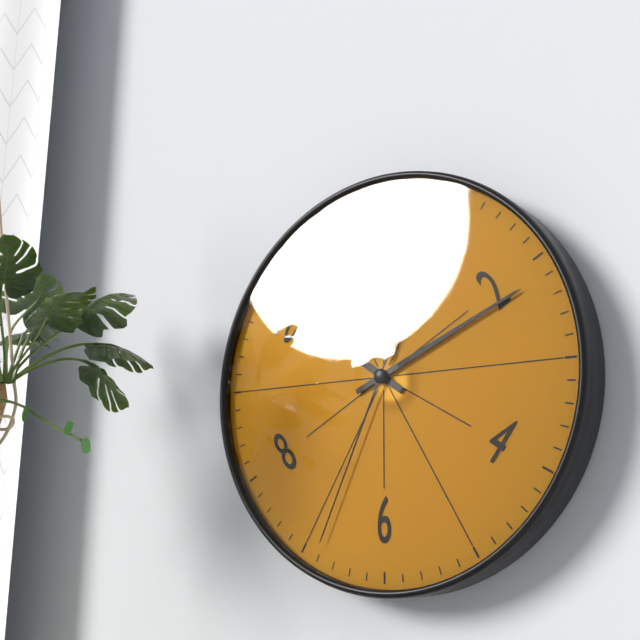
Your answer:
{"hour": 10, "minute": 11, "second": 34}
